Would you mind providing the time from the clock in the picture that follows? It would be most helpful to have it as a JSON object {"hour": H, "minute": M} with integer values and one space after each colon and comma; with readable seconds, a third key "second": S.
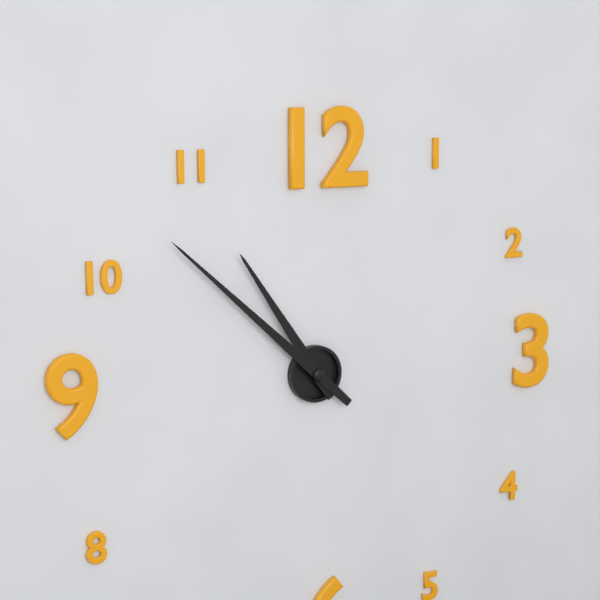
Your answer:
{"hour": 10, "minute": 52}
